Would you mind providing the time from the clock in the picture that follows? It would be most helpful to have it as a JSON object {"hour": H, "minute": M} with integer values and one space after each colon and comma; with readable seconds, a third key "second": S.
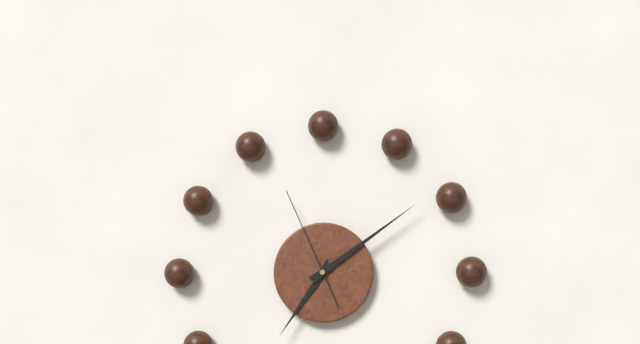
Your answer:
{"hour": 7, "minute": 9, "second": 56}
